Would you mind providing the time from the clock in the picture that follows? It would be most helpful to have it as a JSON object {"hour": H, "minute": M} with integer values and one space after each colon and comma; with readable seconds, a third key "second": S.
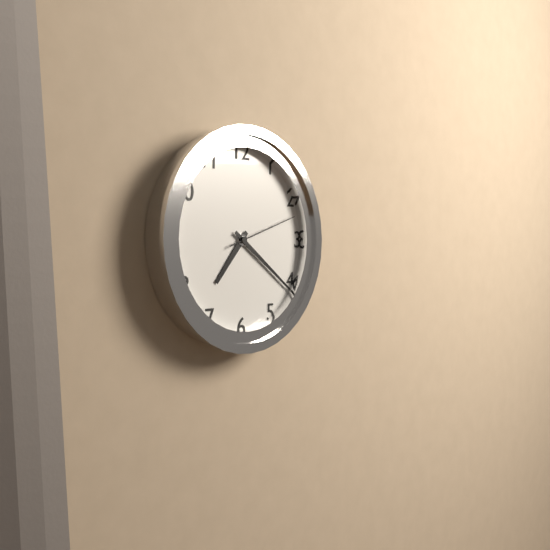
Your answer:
{"hour": 7, "minute": 21, "second": 12}
